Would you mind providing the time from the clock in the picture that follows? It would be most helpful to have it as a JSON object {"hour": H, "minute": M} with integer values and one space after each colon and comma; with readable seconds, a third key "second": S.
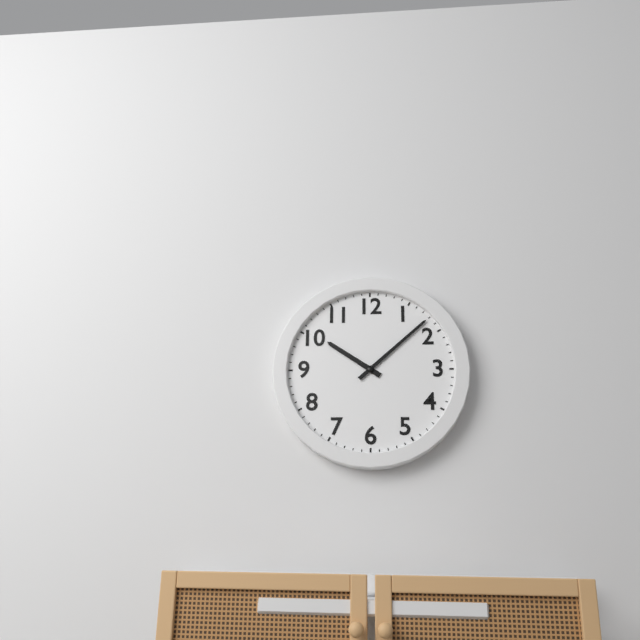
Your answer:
{"hour": 10, "minute": 8}
